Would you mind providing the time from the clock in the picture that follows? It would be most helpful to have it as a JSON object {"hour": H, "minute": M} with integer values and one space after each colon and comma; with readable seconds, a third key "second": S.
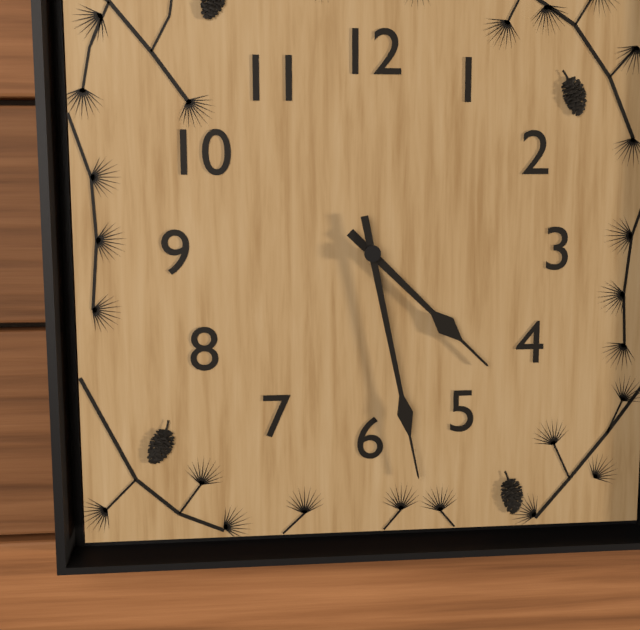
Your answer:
{"hour": 4, "minute": 28}
